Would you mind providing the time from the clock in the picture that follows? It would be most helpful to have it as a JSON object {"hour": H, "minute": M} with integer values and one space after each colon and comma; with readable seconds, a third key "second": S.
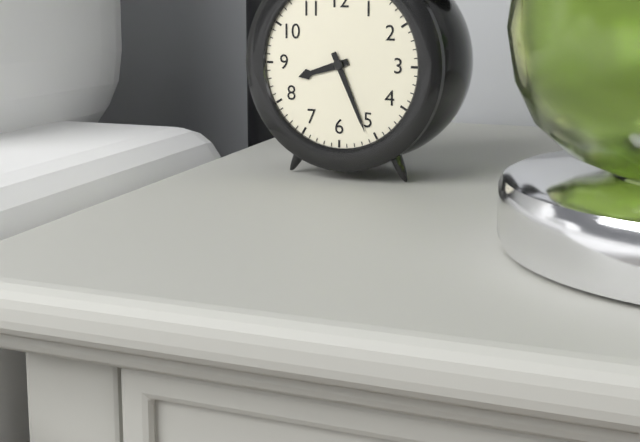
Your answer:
{"hour": 8, "minute": 26}
